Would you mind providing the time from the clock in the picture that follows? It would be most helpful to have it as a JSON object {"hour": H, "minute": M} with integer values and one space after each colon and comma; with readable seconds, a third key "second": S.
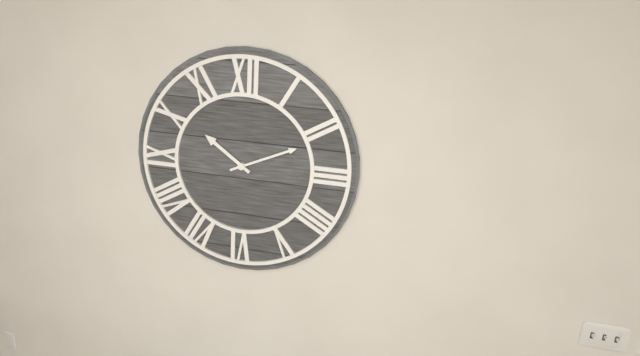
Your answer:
{"hour": 10, "minute": 11}
